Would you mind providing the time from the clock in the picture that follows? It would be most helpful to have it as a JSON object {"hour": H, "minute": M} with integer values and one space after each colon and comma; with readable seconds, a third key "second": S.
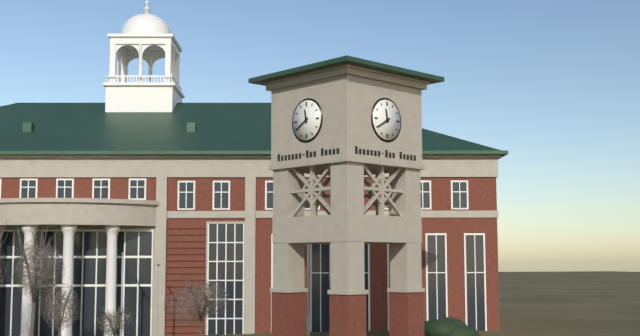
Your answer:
{"hour": 11, "minute": 40}
